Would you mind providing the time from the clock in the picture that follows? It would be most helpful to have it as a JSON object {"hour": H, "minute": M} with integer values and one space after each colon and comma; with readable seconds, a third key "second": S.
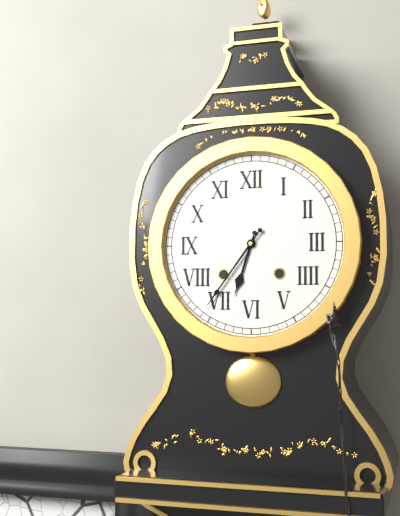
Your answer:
{"hour": 6, "minute": 36}
